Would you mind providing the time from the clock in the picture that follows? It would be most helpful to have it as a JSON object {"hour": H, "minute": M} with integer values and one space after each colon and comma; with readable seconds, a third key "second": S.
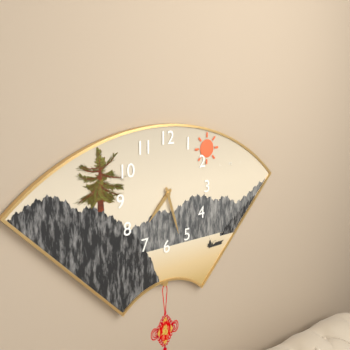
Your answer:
{"hour": 7, "minute": 27}
